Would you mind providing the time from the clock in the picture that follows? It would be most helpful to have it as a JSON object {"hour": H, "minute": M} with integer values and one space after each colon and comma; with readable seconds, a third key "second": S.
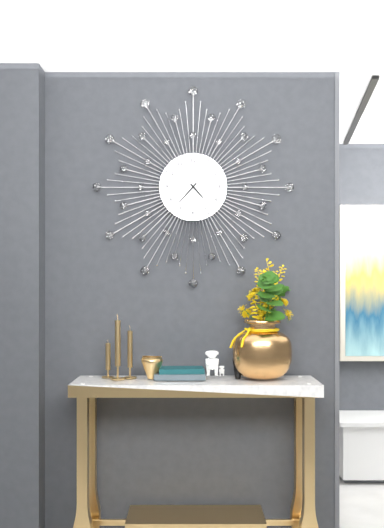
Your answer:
{"hour": 4, "minute": 37}
